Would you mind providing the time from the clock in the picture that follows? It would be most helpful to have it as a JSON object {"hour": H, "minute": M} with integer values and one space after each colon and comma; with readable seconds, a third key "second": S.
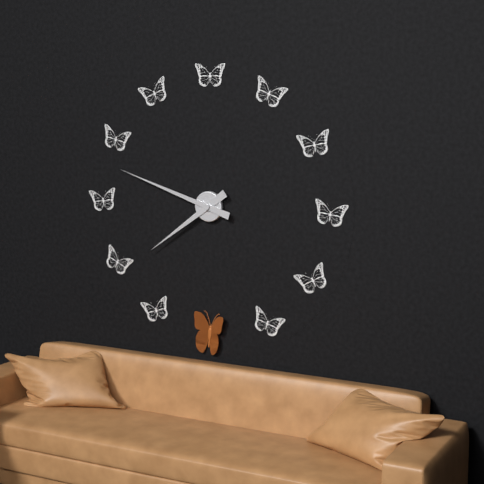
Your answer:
{"hour": 7, "minute": 48}
